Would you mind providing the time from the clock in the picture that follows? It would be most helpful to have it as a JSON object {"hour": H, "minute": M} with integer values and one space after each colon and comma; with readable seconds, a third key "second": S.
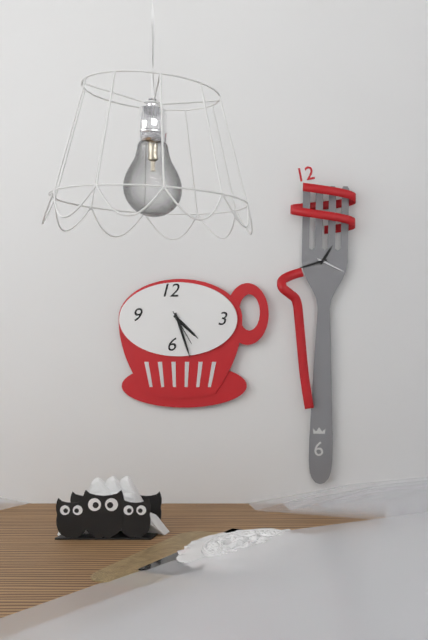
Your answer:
{"hour": 4, "minute": 27}
